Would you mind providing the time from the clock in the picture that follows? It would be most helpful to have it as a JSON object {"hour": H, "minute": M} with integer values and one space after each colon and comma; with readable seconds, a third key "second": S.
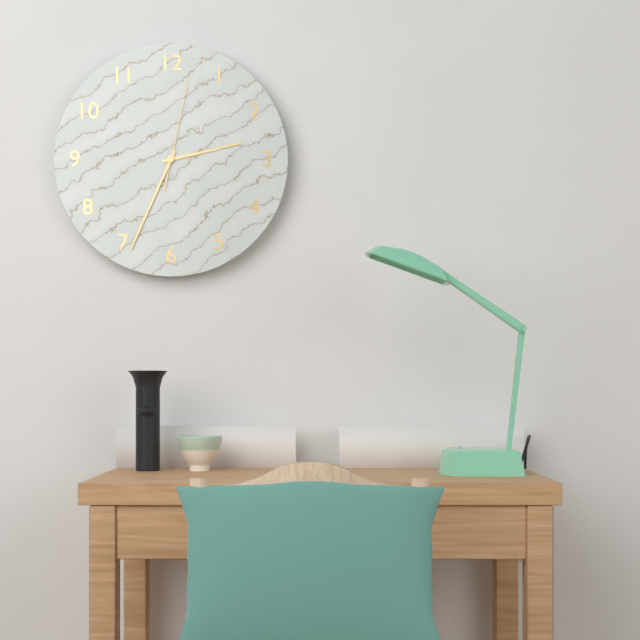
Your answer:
{"hour": 2, "minute": 34, "second": 2}
